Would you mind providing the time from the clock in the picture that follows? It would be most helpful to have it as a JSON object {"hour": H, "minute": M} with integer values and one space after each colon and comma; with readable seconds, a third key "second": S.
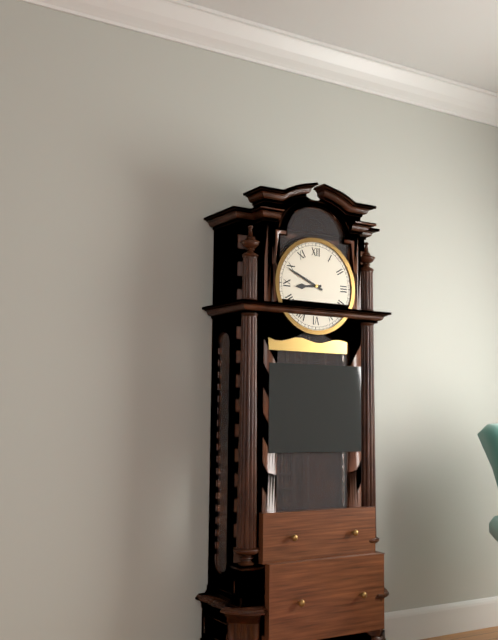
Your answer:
{"hour": 8, "minute": 49}
